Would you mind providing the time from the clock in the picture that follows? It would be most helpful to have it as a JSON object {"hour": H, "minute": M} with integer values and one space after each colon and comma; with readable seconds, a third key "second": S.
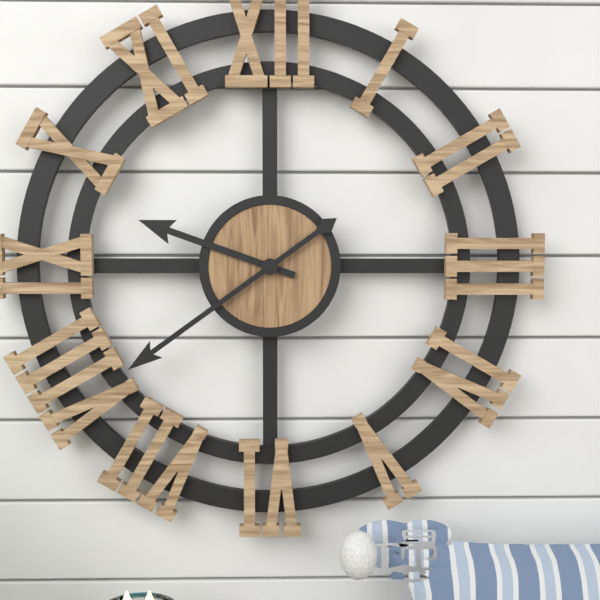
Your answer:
{"hour": 9, "minute": 39}
